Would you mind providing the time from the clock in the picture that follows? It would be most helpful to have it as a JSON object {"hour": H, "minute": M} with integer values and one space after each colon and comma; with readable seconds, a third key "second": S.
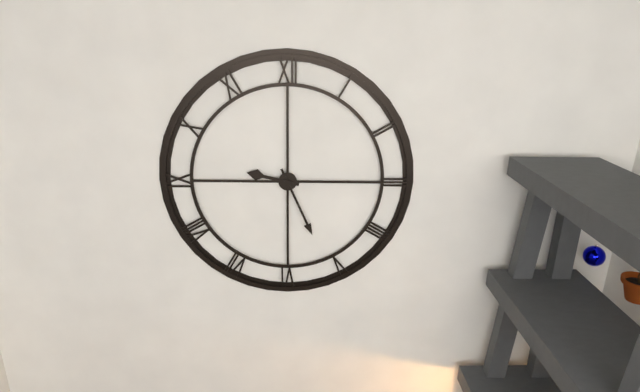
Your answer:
{"hour": 9, "minute": 26}
